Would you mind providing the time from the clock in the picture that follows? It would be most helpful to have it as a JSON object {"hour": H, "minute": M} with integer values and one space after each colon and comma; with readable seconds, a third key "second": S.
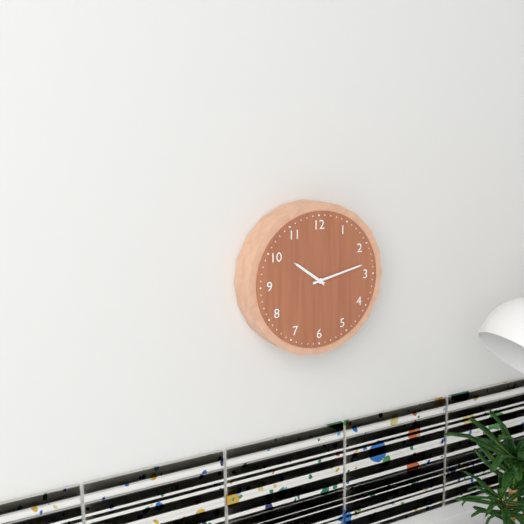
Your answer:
{"hour": 10, "minute": 13}
